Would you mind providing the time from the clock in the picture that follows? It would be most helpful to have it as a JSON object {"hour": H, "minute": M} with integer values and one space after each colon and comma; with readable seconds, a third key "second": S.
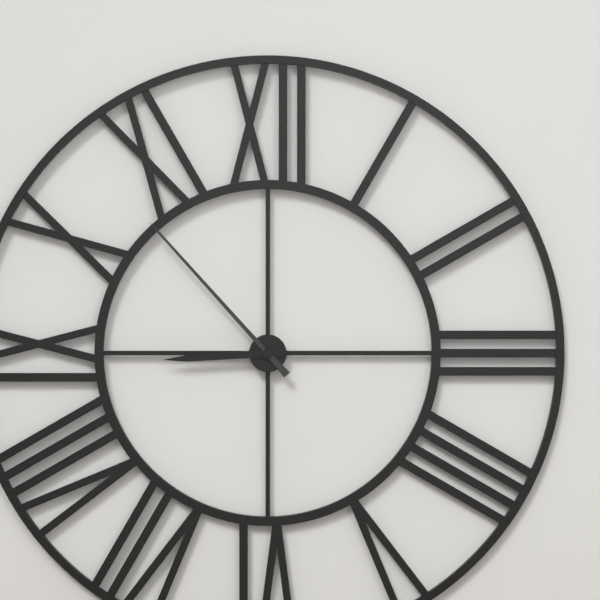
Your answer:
{"hour": 8, "minute": 53}
